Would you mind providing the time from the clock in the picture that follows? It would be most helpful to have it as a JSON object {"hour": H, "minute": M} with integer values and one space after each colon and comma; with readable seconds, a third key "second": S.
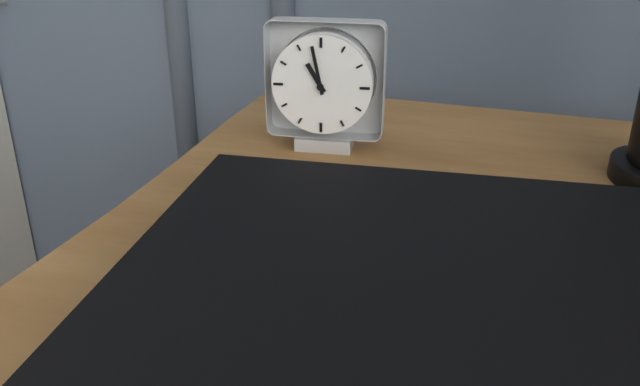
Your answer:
{"hour": 10, "minute": 58}
